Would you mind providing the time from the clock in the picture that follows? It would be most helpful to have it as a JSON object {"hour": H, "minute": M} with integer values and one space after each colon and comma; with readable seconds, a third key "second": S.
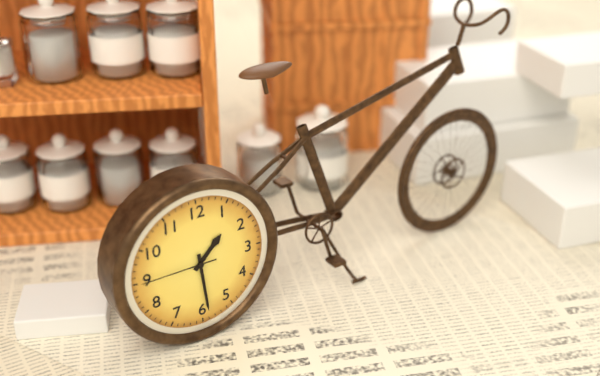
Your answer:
{"hour": 1, "minute": 29, "second": 45}
